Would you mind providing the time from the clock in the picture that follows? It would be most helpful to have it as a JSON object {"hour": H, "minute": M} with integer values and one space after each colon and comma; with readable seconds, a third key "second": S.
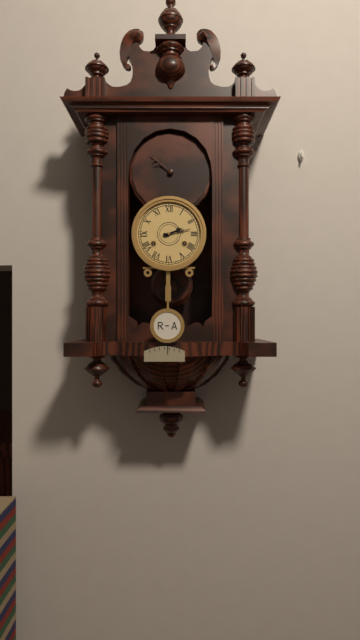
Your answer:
{"hour": 2, "minute": 13}
